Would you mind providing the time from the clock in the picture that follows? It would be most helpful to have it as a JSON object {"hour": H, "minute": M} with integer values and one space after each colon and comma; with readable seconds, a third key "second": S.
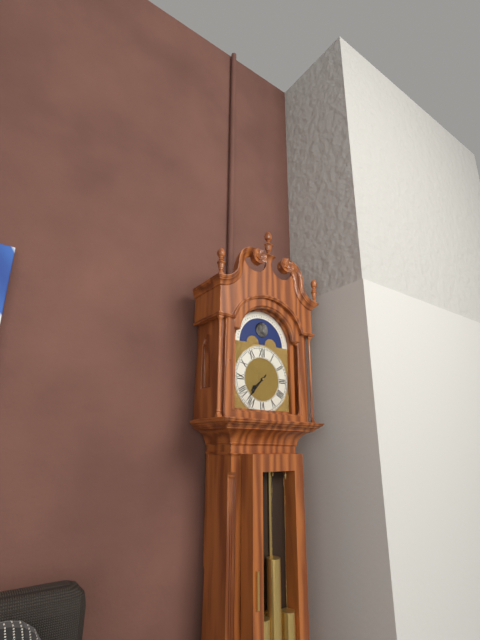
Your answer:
{"hour": 7, "minute": 37}
